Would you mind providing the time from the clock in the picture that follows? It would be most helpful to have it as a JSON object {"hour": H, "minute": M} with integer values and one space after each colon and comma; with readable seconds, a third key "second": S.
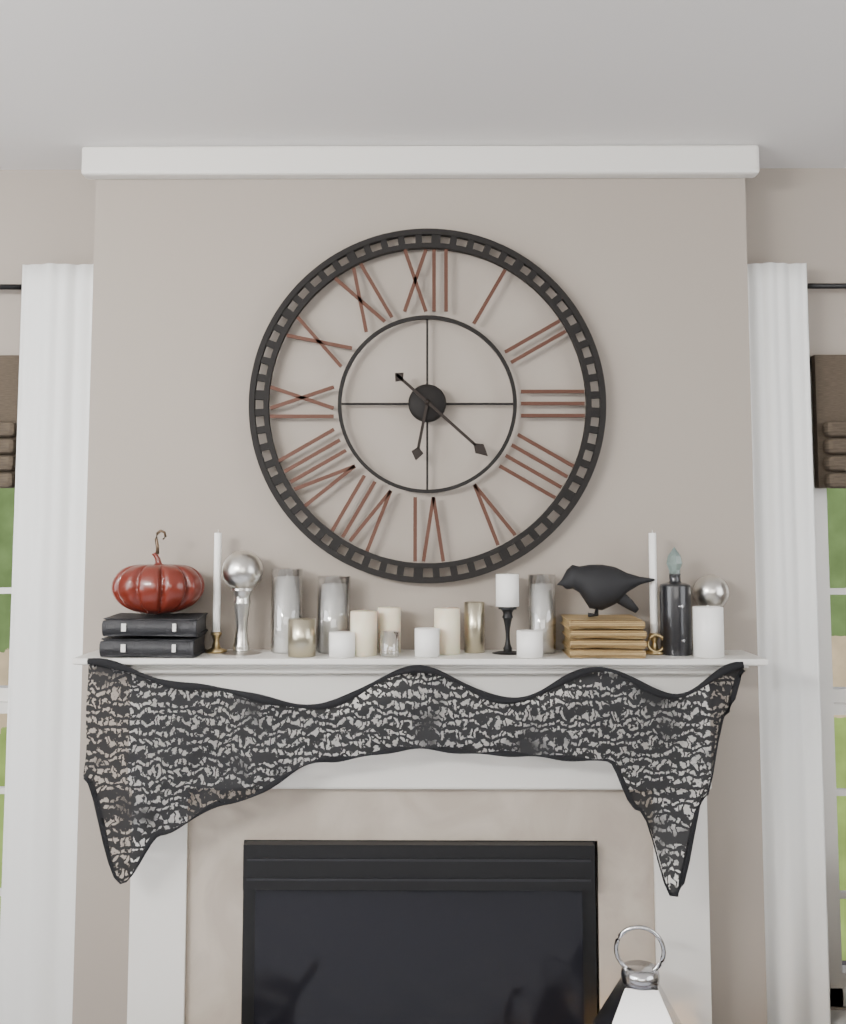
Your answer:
{"hour": 6, "minute": 22}
